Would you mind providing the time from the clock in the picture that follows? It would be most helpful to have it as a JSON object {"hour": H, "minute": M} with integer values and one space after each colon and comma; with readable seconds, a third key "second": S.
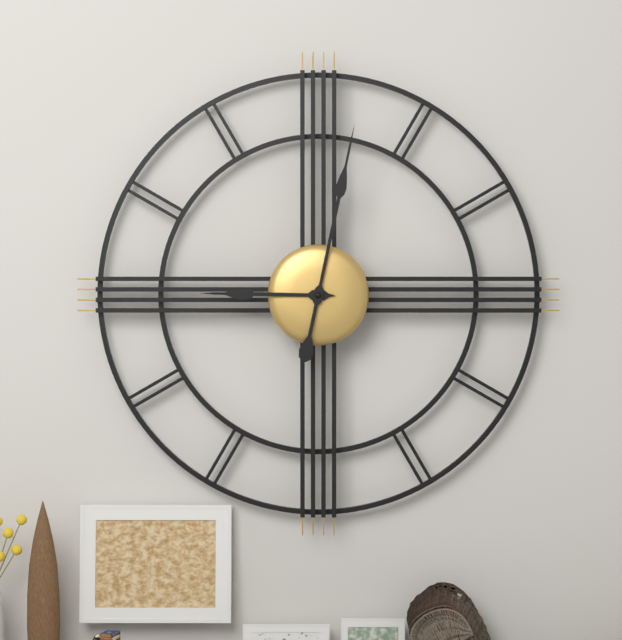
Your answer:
{"hour": 9, "minute": 2}
